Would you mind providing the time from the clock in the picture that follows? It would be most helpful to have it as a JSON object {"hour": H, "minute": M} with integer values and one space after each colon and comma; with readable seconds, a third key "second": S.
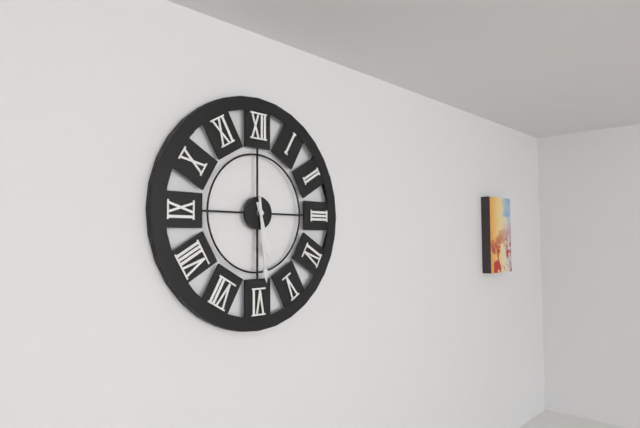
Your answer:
{"hour": 5, "minute": 29}
